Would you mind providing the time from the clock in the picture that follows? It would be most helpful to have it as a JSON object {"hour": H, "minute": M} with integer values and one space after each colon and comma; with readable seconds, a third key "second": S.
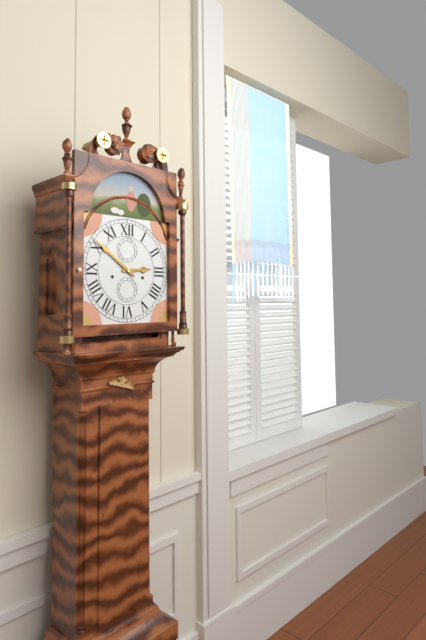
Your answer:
{"hour": 2, "minute": 51}
